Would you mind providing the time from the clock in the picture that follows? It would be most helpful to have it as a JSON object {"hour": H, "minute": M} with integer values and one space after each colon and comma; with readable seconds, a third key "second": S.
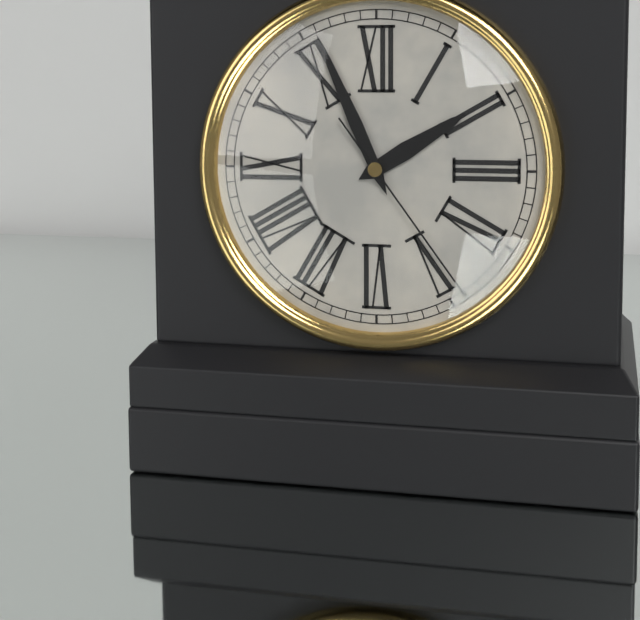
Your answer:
{"hour": 1, "minute": 56, "second": 24}
